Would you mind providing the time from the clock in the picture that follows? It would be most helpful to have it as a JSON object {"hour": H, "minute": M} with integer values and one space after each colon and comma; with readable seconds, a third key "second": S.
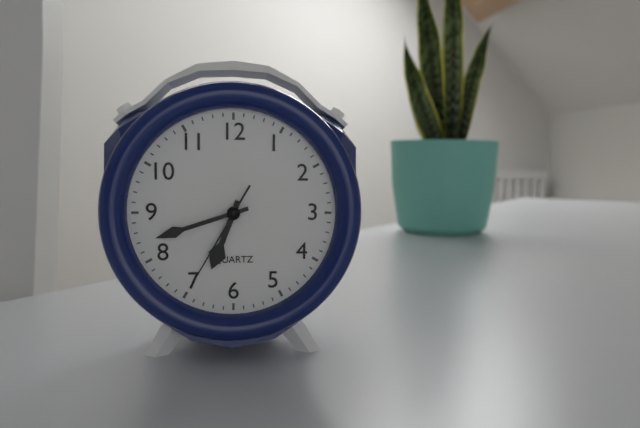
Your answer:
{"hour": 6, "minute": 42, "second": 35}
